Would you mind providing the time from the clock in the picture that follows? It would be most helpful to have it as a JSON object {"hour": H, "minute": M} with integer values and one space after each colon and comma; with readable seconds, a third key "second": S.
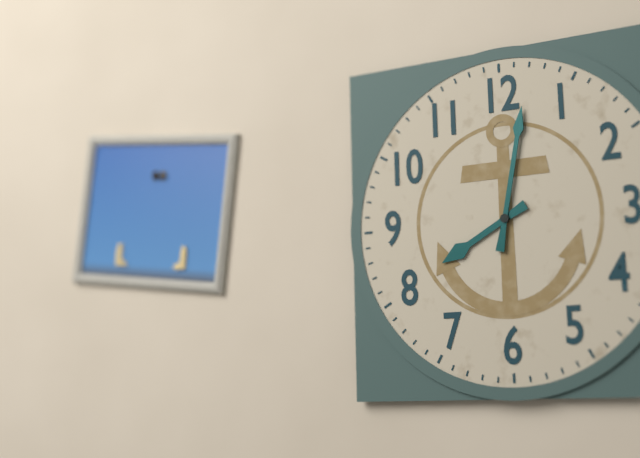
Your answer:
{"hour": 8, "minute": 2}
